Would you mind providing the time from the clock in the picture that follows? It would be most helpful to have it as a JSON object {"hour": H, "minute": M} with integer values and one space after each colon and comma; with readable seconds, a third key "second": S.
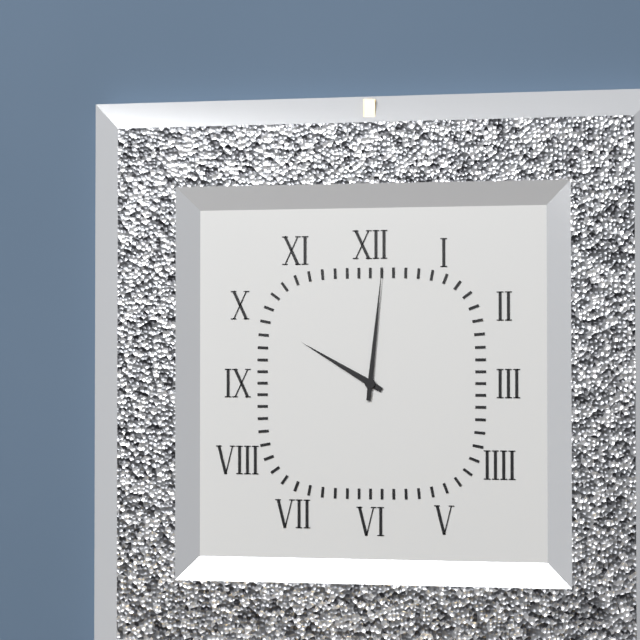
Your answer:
{"hour": 10, "minute": 1}
